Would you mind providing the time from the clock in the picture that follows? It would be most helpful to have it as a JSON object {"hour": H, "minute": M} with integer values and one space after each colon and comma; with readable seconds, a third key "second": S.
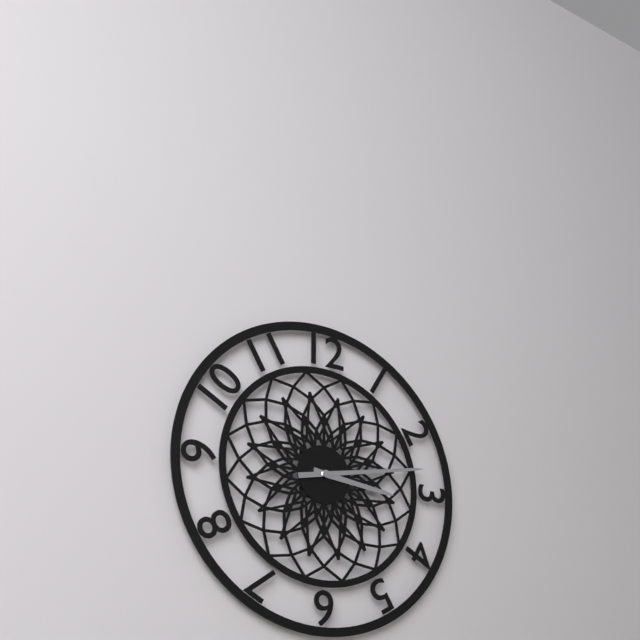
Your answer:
{"hour": 3, "minute": 13}
